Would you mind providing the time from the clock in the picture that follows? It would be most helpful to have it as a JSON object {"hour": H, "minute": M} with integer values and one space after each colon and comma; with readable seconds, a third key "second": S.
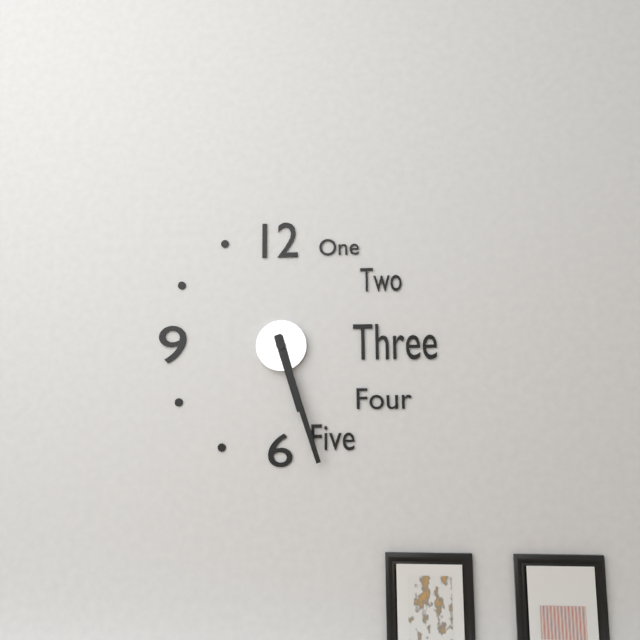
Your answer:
{"hour": 5, "minute": 27}
